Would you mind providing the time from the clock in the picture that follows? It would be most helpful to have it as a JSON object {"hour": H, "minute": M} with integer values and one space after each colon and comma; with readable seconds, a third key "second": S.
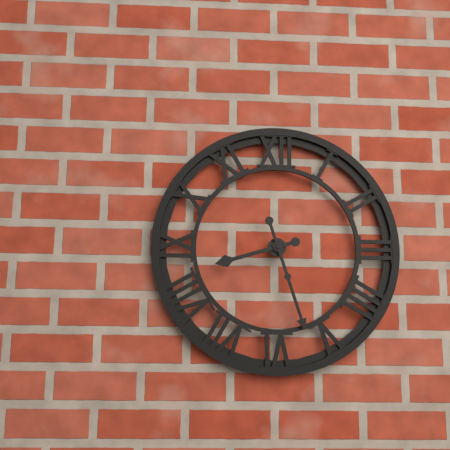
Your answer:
{"hour": 8, "minute": 27}
